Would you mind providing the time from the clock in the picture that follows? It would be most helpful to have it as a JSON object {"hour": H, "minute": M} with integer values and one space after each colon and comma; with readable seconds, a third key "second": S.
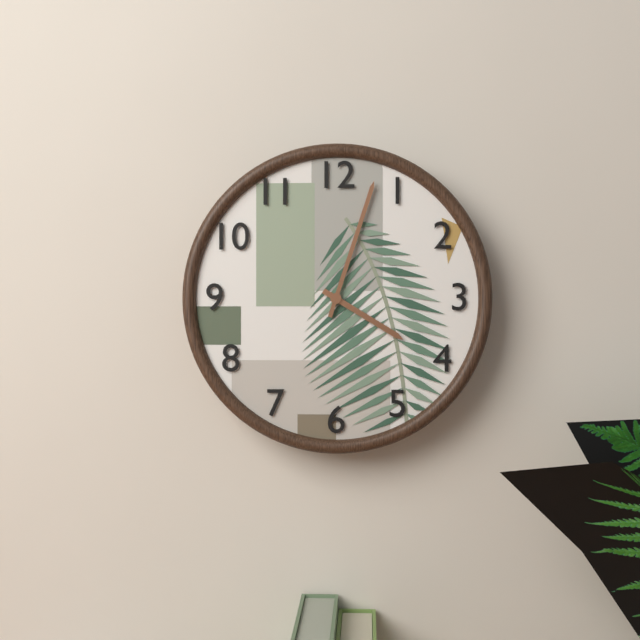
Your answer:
{"hour": 4, "minute": 3}
